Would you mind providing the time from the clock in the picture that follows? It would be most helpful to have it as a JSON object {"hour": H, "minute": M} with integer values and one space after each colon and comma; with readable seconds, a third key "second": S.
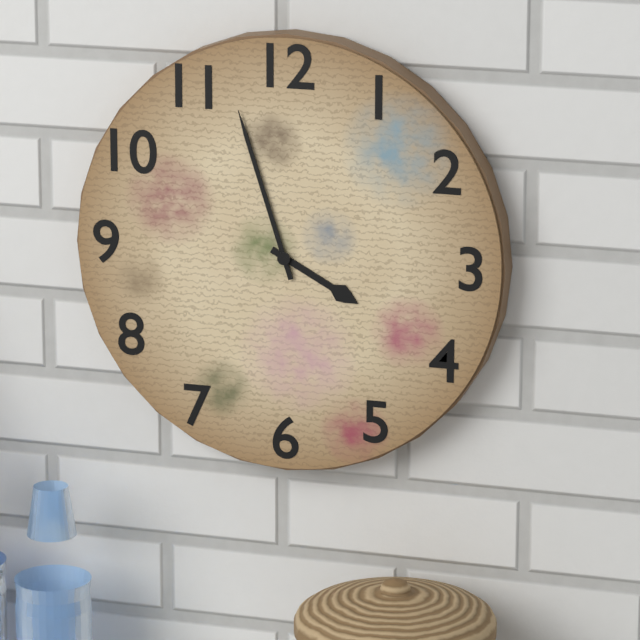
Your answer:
{"hour": 3, "minute": 57}
